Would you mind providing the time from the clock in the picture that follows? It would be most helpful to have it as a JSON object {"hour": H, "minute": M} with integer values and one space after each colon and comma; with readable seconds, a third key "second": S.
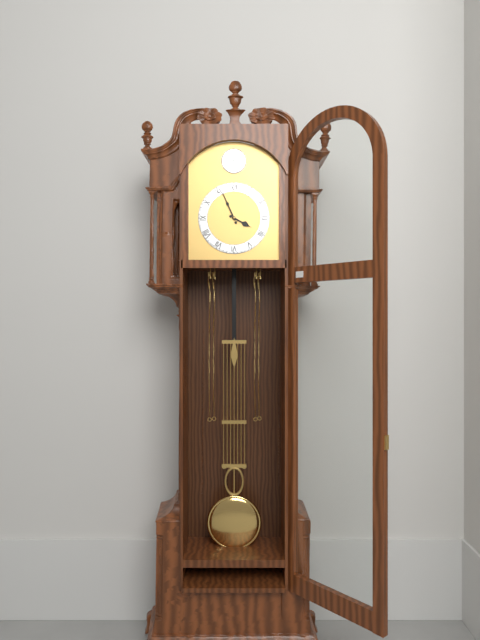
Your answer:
{"hour": 3, "minute": 56}
